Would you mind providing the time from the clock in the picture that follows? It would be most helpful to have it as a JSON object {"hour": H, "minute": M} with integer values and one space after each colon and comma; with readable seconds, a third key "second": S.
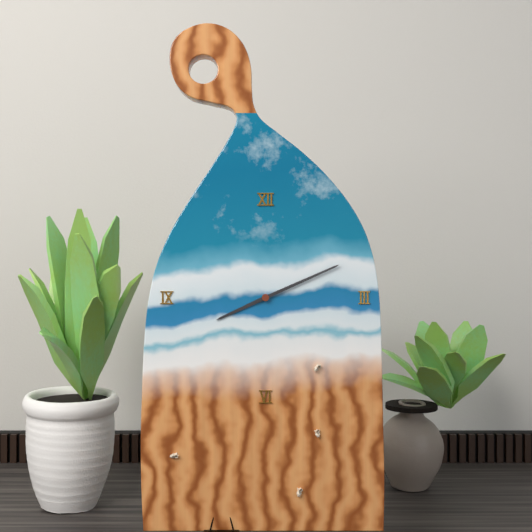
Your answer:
{"hour": 8, "minute": 11}
